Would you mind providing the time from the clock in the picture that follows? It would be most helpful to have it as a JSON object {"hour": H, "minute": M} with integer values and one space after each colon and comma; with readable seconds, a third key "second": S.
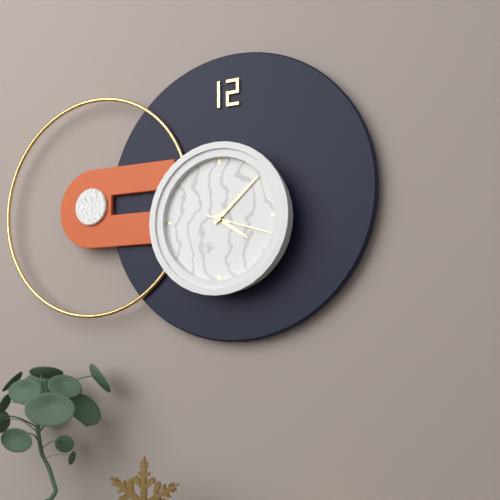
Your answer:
{"hour": 4, "minute": 8, "second": 18}
